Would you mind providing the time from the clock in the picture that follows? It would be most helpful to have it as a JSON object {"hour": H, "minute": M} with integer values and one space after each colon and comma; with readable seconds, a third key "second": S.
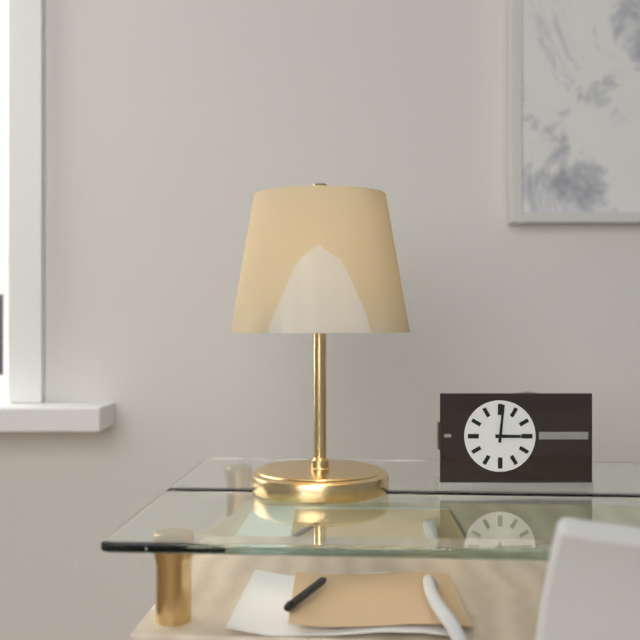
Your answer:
{"hour": 3, "minute": 1}
